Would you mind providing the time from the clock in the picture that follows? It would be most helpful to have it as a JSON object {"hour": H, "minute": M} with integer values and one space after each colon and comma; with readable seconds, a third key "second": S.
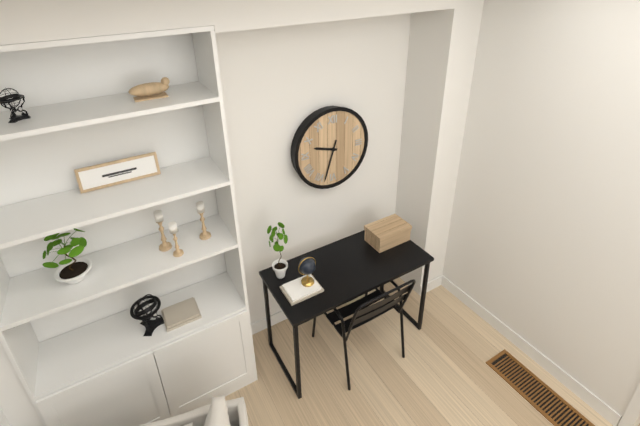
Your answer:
{"hour": 9, "minute": 33}
